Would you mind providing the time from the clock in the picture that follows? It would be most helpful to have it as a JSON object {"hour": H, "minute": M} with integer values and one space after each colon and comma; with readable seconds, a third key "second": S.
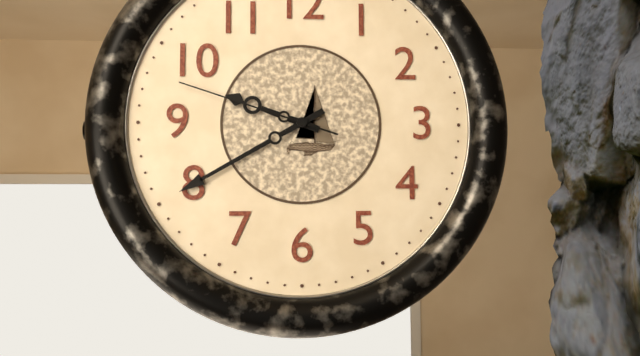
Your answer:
{"hour": 9, "minute": 40, "second": 48}
